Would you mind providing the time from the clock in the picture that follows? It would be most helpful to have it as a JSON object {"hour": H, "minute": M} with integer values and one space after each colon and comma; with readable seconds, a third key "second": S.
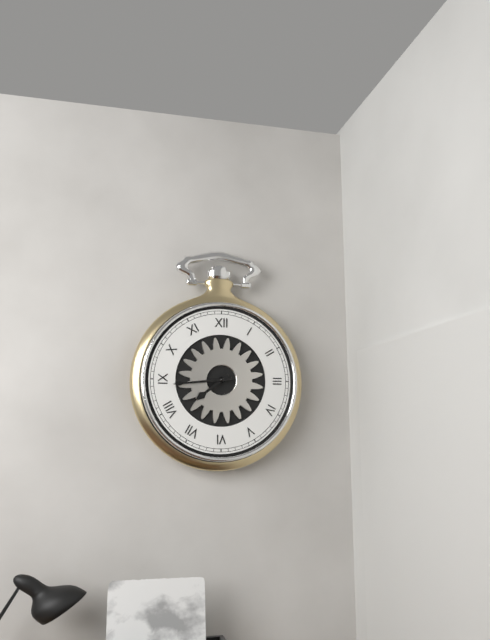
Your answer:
{"hour": 7, "minute": 44}
